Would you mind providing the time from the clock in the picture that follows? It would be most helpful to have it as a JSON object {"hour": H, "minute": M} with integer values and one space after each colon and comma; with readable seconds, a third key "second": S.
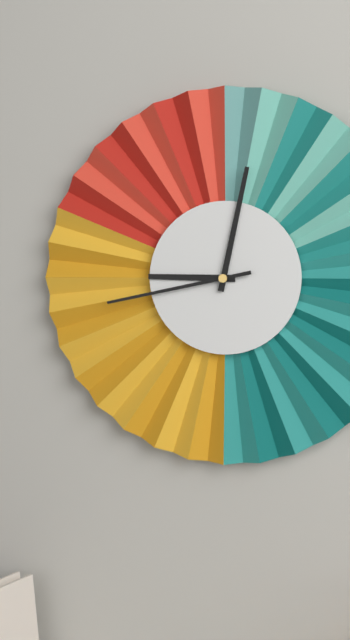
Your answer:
{"hour": 9, "minute": 2, "second": 43}
